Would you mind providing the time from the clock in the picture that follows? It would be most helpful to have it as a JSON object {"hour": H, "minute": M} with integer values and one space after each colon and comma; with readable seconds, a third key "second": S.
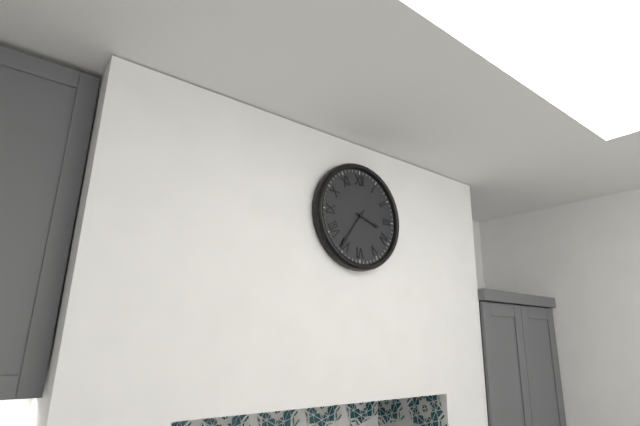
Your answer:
{"hour": 3, "minute": 36}
